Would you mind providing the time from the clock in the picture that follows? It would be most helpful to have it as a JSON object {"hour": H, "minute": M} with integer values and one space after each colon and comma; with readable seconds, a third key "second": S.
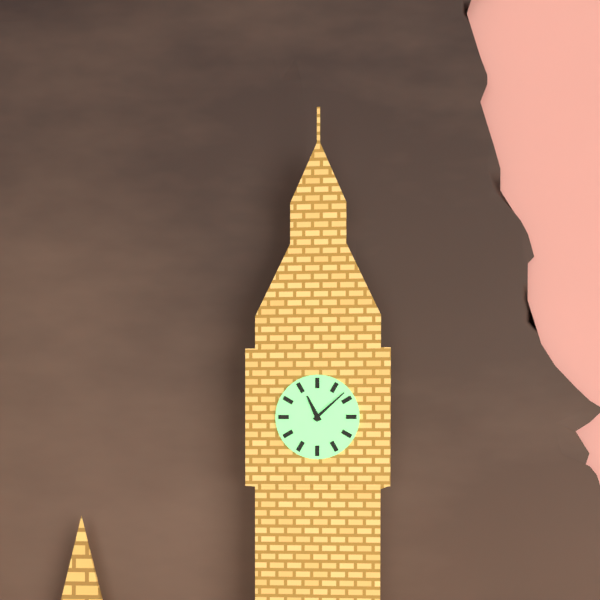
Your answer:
{"hour": 11, "minute": 8}
